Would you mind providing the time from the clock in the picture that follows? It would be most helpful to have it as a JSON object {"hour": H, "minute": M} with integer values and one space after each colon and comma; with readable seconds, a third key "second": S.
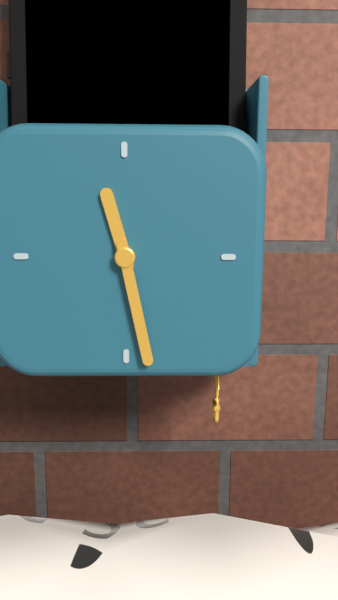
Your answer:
{"hour": 11, "minute": 28}
